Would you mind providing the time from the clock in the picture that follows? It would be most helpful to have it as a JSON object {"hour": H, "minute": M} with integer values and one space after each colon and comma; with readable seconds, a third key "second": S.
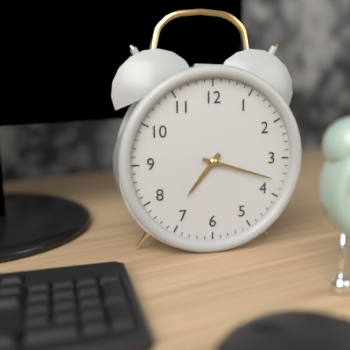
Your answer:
{"hour": 7, "minute": 18}
